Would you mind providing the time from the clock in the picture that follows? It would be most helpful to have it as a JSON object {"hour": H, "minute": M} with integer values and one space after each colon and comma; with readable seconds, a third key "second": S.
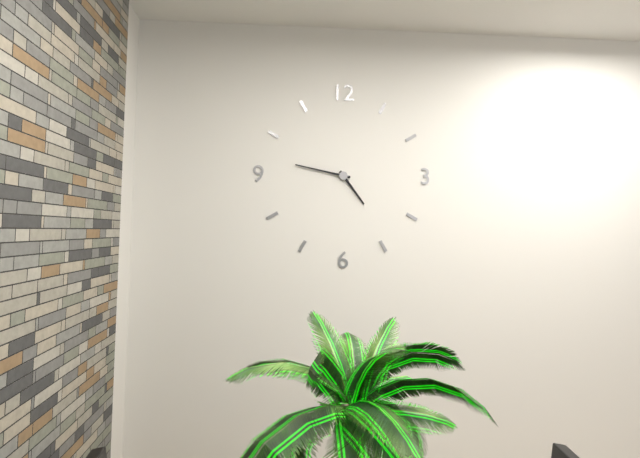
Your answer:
{"hour": 4, "minute": 47}
